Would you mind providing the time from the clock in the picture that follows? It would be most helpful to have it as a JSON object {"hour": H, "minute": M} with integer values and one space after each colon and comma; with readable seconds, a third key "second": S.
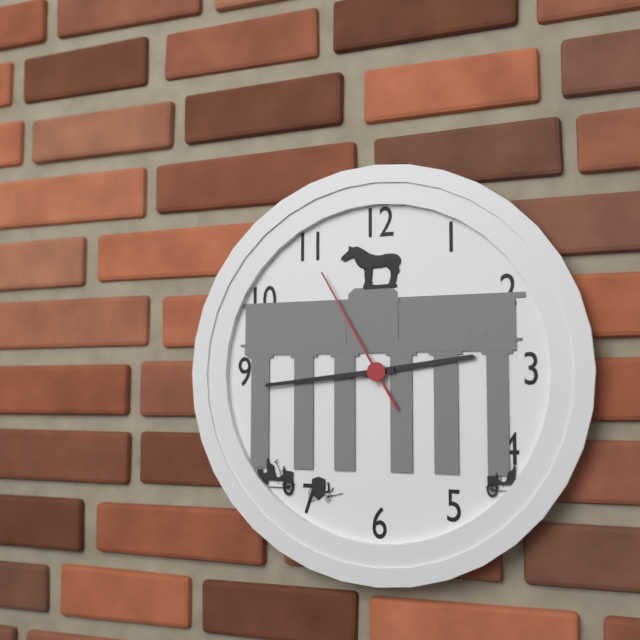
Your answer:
{"hour": 2, "minute": 44, "second": 55}
